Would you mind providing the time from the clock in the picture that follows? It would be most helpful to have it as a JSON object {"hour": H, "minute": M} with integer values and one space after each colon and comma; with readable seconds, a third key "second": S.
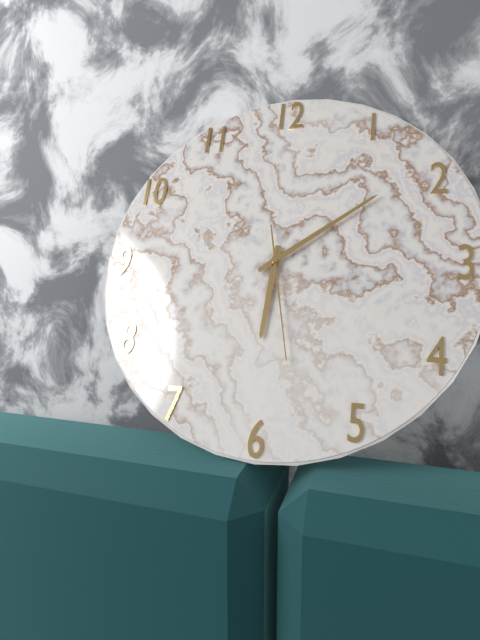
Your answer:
{"hour": 6, "minute": 9, "second": 28}
